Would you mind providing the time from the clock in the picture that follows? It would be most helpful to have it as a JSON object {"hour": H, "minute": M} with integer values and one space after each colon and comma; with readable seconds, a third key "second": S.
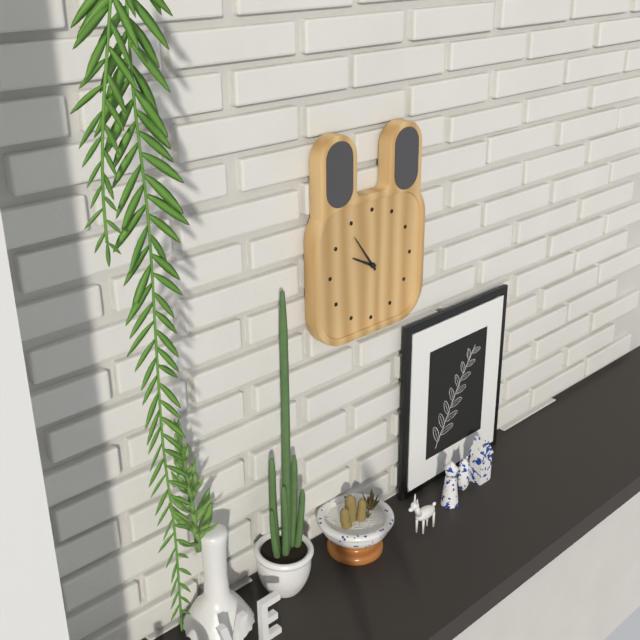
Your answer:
{"hour": 9, "minute": 54}
